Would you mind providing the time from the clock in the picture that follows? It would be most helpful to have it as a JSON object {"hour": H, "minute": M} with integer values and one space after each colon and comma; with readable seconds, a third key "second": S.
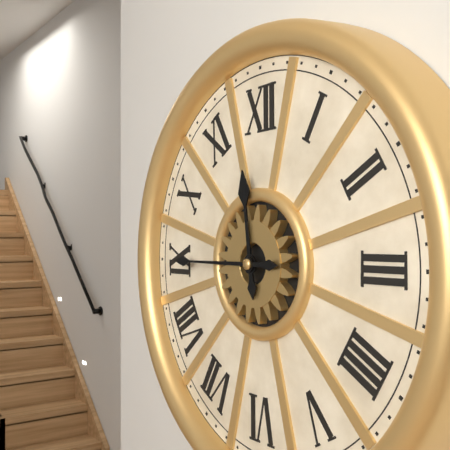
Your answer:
{"hour": 11, "minute": 45}
